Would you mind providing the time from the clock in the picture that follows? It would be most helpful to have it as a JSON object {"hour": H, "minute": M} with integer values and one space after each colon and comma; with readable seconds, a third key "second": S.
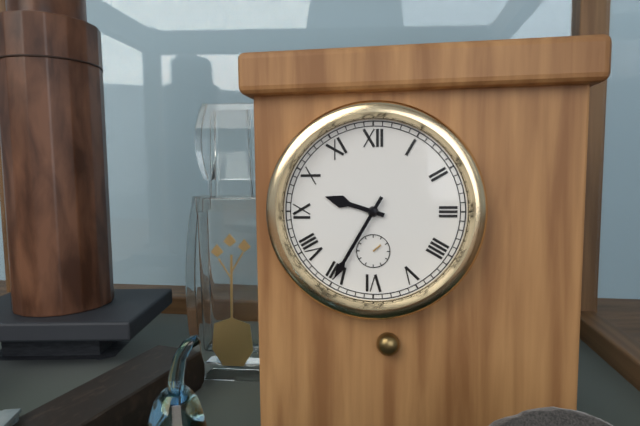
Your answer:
{"hour": 9, "minute": 35}
